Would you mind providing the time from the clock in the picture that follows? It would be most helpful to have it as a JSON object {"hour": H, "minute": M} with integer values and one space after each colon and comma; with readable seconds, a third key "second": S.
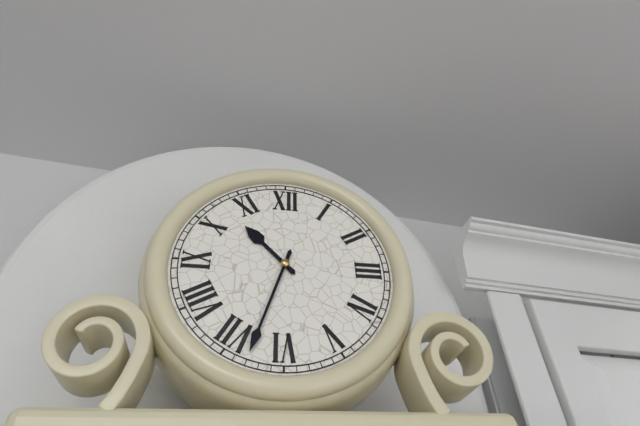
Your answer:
{"hour": 10, "minute": 33}
